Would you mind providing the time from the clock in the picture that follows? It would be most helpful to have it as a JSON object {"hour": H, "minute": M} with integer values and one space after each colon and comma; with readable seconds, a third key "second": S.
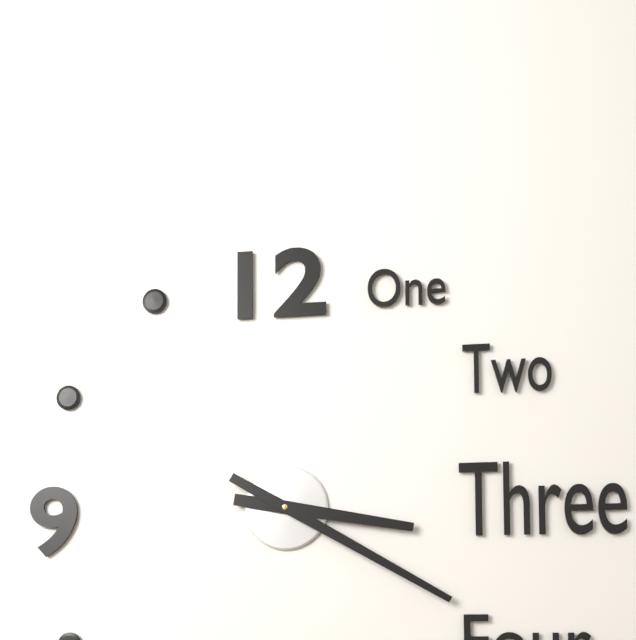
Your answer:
{"hour": 3, "minute": 20}
